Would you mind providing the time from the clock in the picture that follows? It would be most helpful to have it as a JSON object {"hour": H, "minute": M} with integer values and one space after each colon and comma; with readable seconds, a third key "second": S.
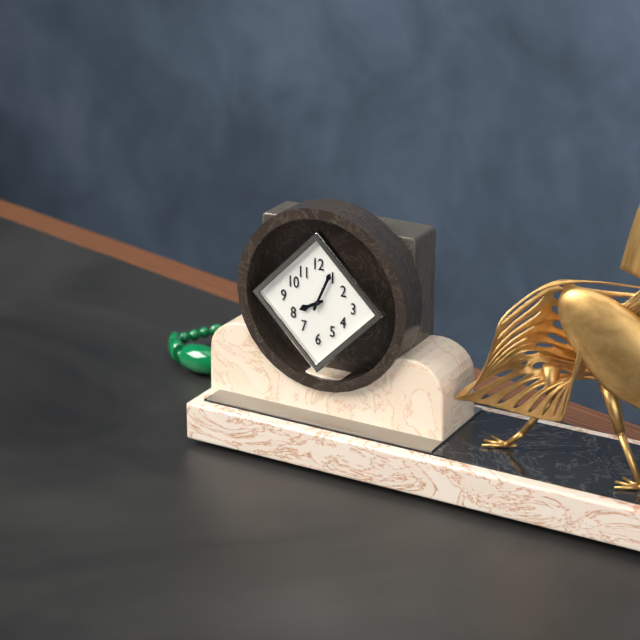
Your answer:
{"hour": 8, "minute": 4}
